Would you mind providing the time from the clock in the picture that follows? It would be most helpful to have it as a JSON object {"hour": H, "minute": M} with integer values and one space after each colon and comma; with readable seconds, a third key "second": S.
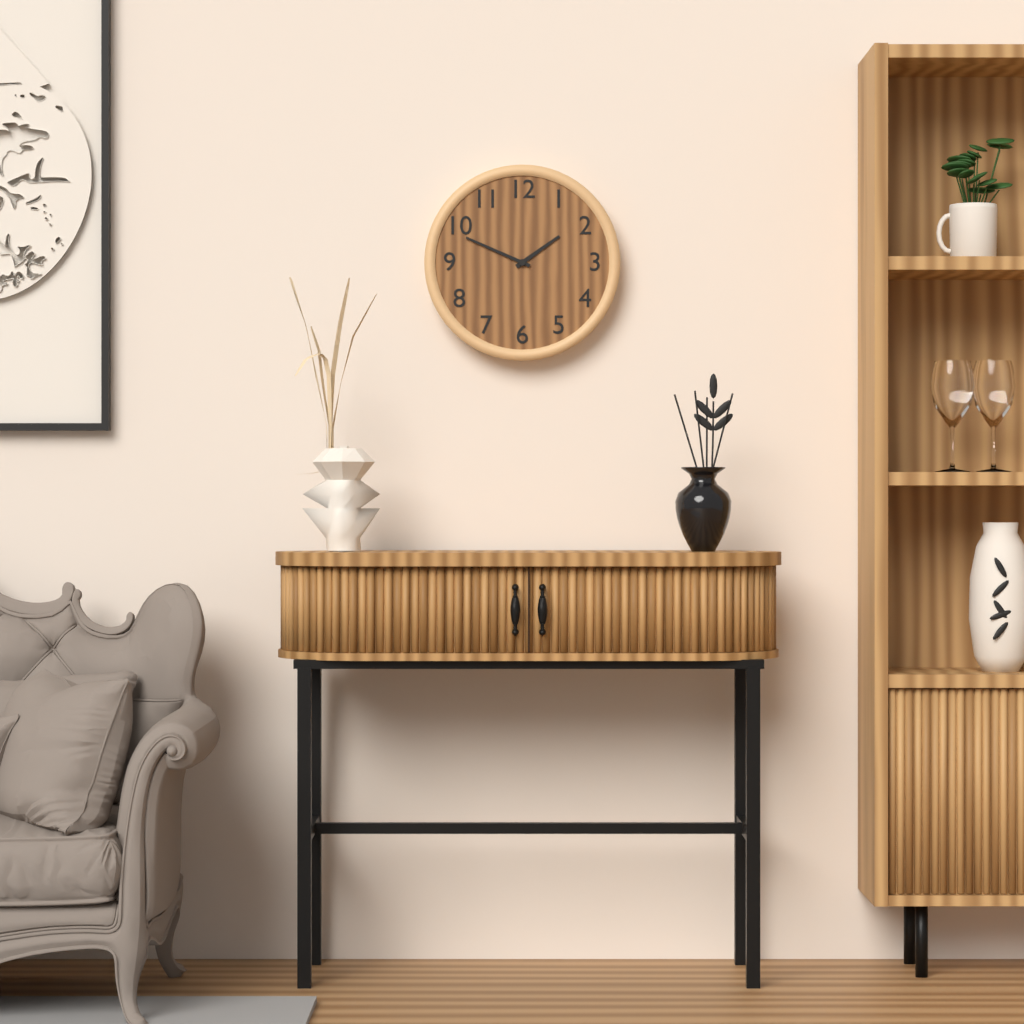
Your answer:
{"hour": 1, "minute": 49}
